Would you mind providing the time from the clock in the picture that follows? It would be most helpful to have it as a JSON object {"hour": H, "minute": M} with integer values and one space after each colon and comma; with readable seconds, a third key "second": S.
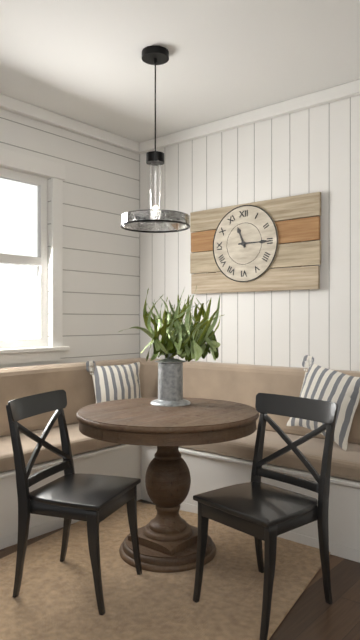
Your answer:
{"hour": 11, "minute": 15}
